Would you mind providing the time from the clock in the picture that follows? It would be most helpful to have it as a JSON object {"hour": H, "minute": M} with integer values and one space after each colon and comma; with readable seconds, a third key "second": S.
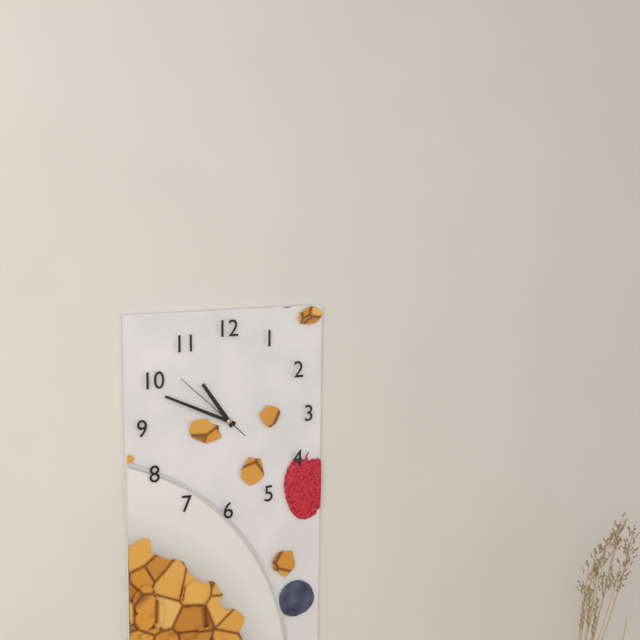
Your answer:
{"hour": 10, "minute": 49, "second": 52}
